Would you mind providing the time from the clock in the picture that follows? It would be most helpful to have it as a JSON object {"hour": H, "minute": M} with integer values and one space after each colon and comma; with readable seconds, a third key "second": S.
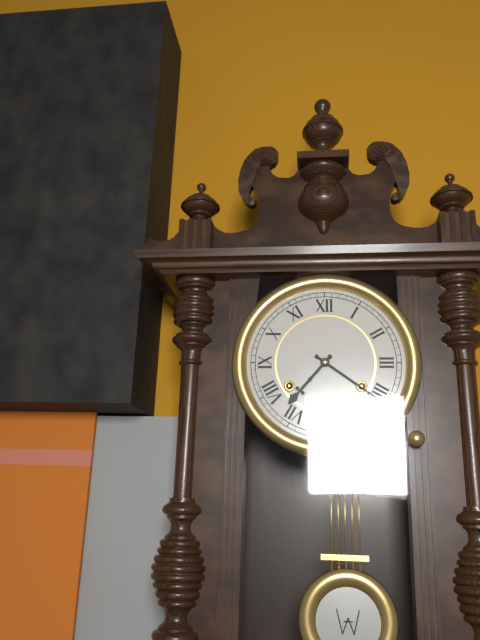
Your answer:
{"hour": 7, "minute": 21}
